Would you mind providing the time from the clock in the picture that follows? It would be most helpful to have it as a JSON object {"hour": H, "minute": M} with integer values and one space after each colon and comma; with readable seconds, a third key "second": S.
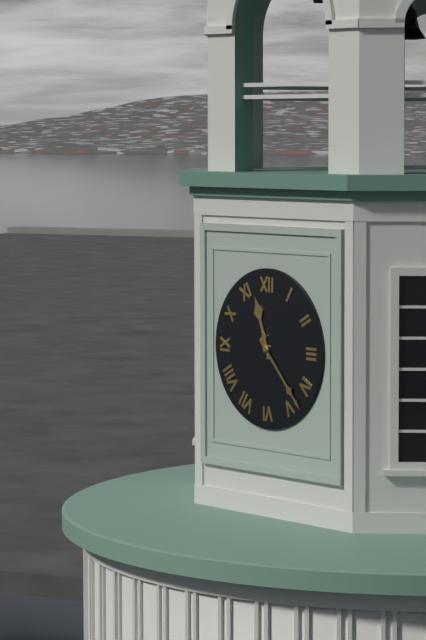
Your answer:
{"hour": 11, "minute": 23}
